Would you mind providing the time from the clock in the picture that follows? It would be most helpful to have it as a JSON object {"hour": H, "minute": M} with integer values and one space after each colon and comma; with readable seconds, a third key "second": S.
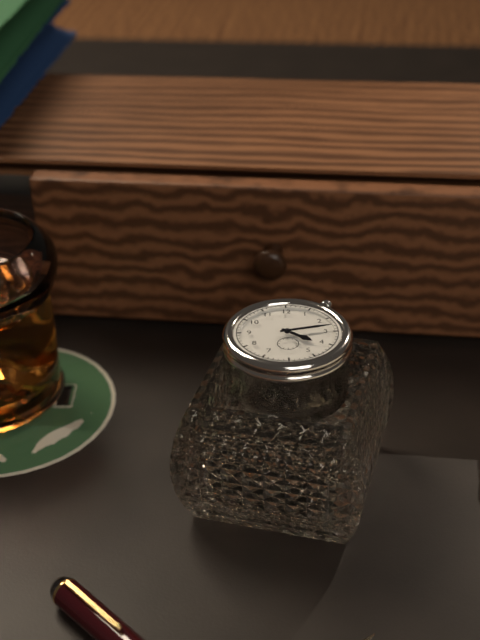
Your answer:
{"hour": 4, "minute": 13}
